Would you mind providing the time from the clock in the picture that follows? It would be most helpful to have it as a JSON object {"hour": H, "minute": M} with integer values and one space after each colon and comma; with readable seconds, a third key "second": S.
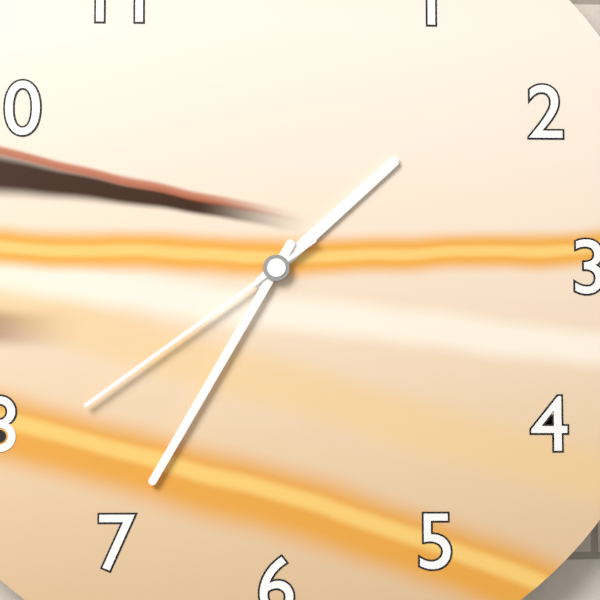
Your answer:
{"hour": 1, "minute": 35, "second": 39}
